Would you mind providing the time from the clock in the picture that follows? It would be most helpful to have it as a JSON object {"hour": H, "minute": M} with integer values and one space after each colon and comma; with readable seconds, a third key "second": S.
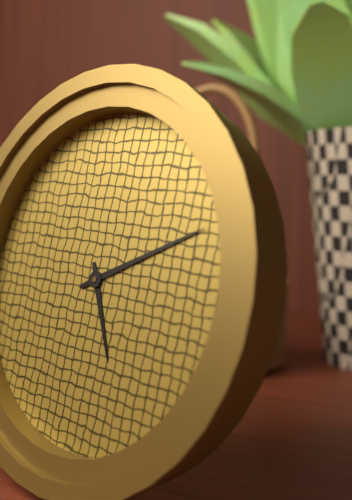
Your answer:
{"hour": 5, "minute": 11}
